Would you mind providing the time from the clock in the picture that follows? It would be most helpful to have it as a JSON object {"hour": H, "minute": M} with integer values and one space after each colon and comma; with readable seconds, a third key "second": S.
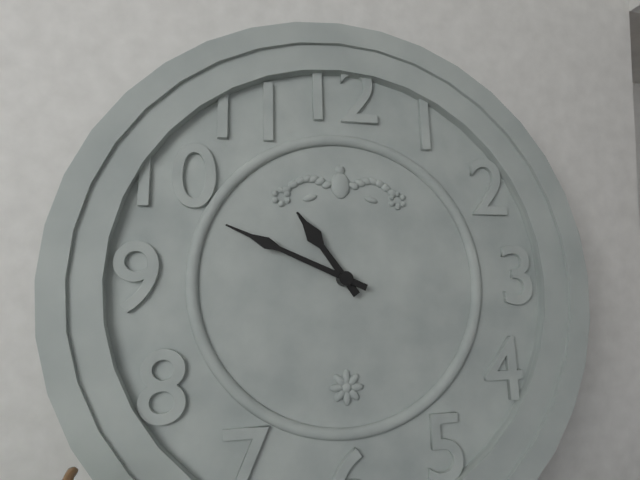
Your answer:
{"hour": 10, "minute": 49}
